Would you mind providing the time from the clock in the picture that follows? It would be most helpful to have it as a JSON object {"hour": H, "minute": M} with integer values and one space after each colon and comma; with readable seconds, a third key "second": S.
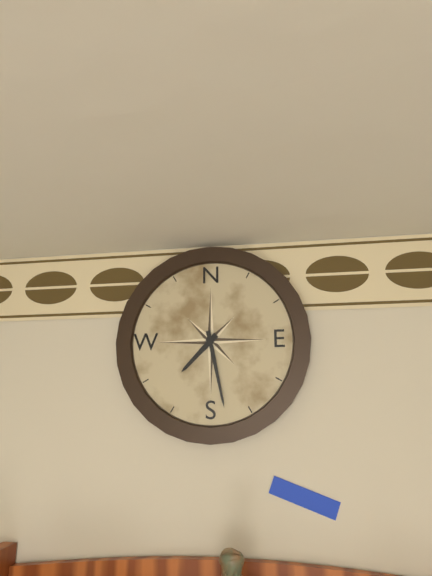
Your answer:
{"hour": 7, "minute": 28}
